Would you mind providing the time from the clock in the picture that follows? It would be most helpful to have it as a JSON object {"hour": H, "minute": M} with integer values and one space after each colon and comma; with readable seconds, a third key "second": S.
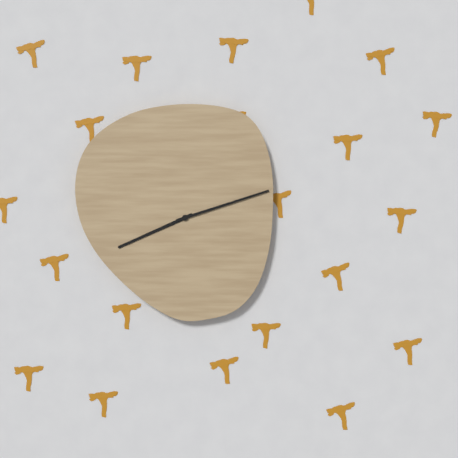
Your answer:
{"hour": 8, "minute": 12}
